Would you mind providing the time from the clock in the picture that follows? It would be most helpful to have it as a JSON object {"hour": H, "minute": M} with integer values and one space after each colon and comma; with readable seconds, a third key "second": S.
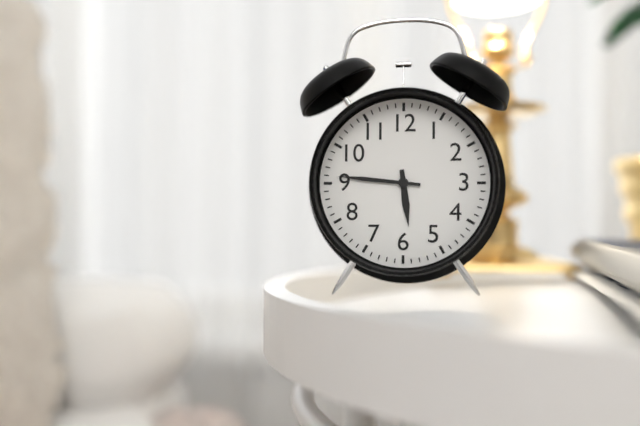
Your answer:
{"hour": 5, "minute": 46}
